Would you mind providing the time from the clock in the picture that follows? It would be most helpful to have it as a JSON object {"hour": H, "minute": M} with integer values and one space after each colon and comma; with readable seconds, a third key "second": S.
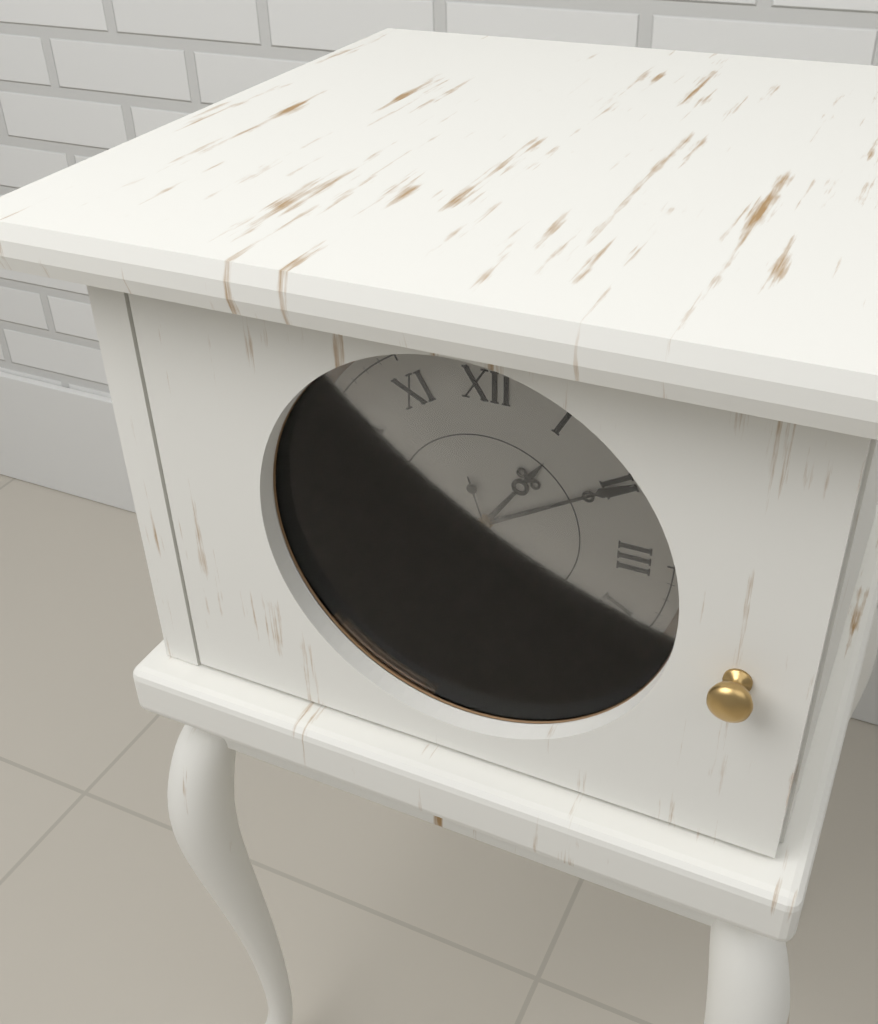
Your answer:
{"hour": 1, "minute": 10, "second": 27}
